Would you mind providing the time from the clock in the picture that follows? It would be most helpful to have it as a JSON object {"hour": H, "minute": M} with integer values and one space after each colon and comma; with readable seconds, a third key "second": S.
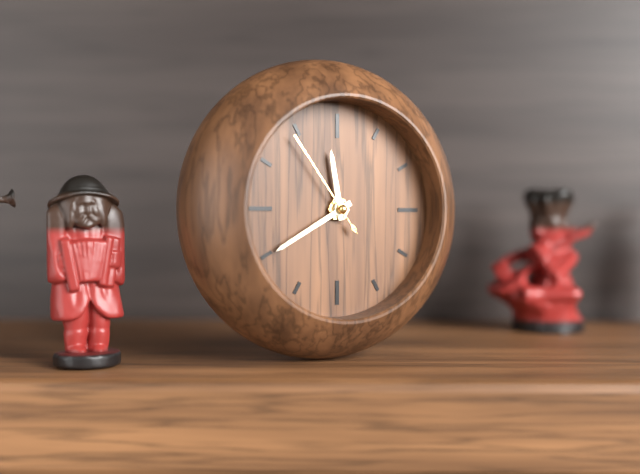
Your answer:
{"hour": 11, "minute": 40, "second": 54}
